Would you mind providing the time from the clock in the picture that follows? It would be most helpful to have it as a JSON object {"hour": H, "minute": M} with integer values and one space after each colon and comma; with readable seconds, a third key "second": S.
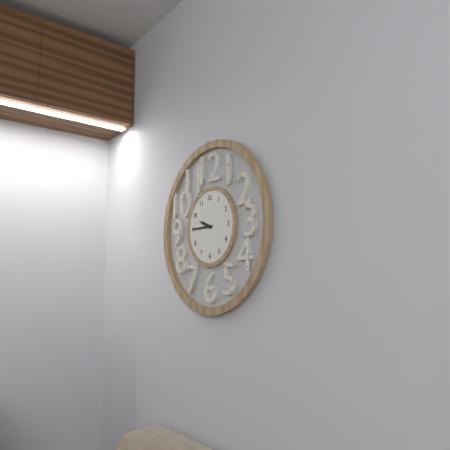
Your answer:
{"hour": 9, "minute": 45}
